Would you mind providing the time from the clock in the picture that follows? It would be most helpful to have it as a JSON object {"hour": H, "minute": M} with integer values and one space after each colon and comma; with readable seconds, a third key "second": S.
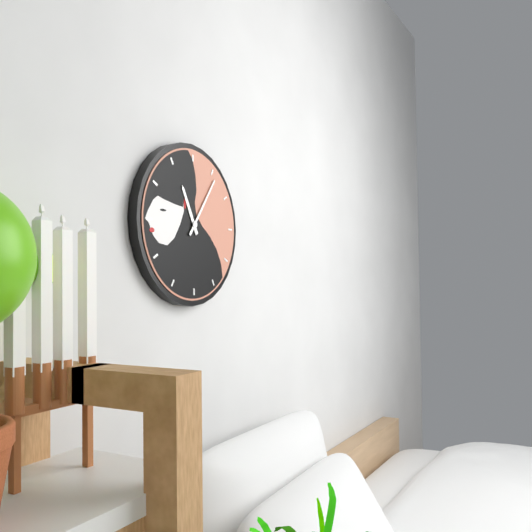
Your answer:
{"hour": 11, "minute": 6}
